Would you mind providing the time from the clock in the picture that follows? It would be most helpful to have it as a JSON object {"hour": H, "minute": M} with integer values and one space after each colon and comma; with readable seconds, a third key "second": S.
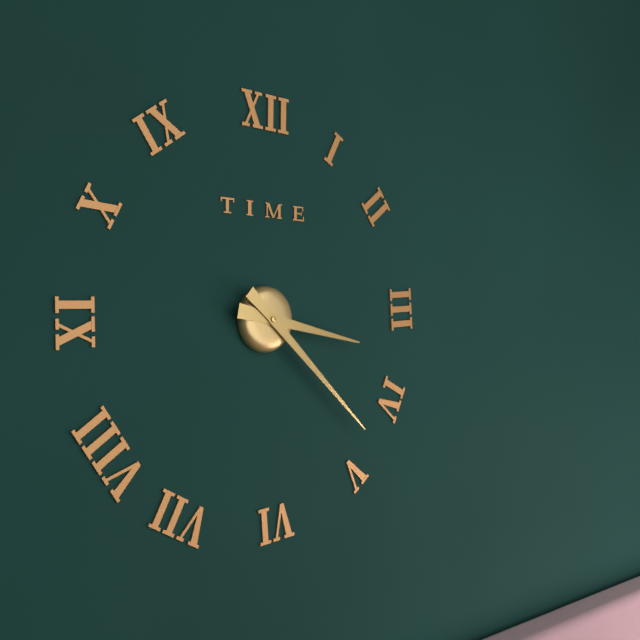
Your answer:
{"hour": 3, "minute": 22}
